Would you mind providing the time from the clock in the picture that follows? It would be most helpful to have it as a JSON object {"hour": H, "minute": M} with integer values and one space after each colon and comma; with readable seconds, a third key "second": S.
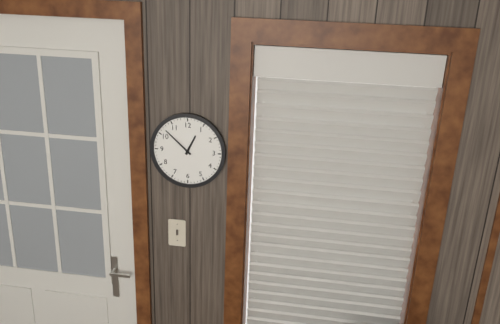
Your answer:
{"hour": 12, "minute": 52}
